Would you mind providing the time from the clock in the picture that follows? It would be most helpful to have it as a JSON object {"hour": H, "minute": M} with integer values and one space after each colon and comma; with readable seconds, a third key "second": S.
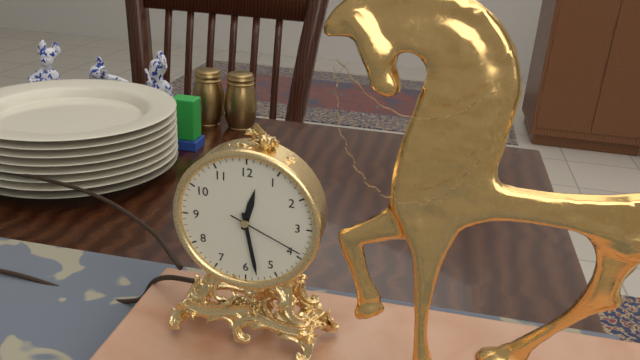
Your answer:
{"hour": 12, "minute": 28, "second": 19}
